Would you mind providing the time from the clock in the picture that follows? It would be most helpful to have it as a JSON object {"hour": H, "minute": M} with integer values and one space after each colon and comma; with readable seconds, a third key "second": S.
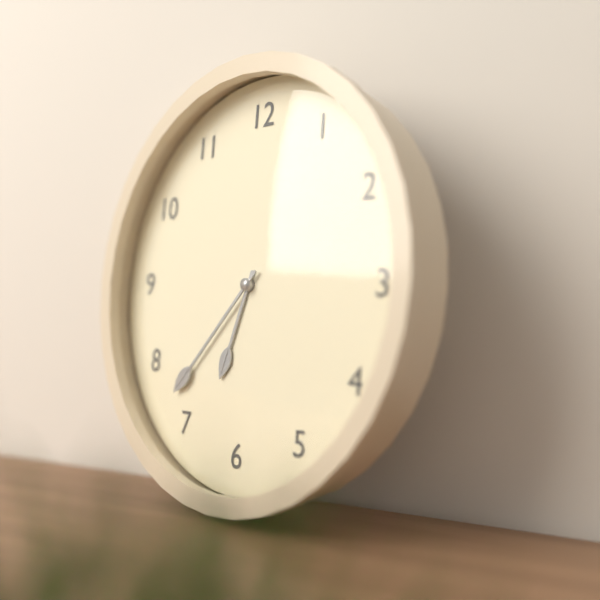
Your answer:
{"hour": 6, "minute": 37}
